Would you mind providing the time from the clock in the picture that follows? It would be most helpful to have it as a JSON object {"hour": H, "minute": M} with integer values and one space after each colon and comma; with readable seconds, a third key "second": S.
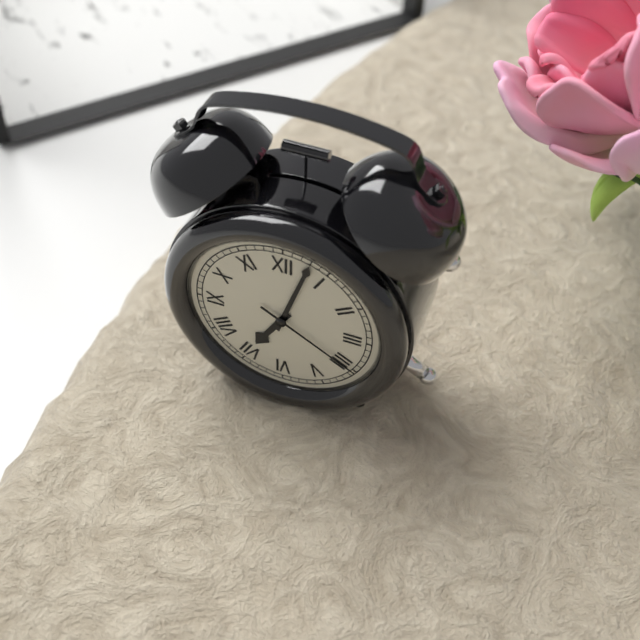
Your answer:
{"hour": 7, "minute": 3, "second": 20}
